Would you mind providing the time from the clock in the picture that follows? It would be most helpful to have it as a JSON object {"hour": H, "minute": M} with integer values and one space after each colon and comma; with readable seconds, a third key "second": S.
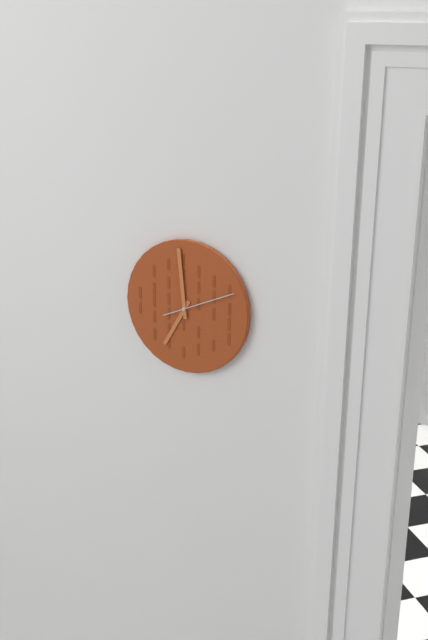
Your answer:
{"hour": 6, "minute": 59, "second": 11}
